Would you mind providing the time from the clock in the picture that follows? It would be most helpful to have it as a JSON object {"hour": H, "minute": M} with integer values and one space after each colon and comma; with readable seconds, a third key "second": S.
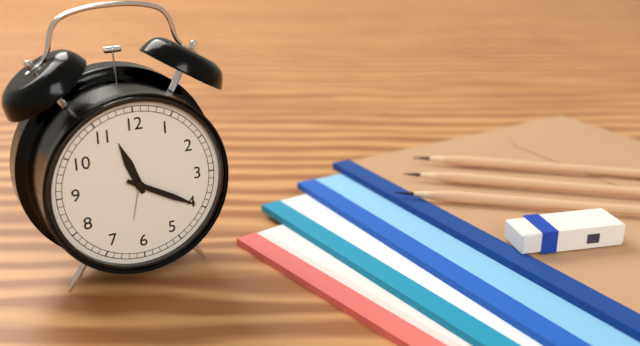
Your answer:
{"hour": 11, "minute": 20}
